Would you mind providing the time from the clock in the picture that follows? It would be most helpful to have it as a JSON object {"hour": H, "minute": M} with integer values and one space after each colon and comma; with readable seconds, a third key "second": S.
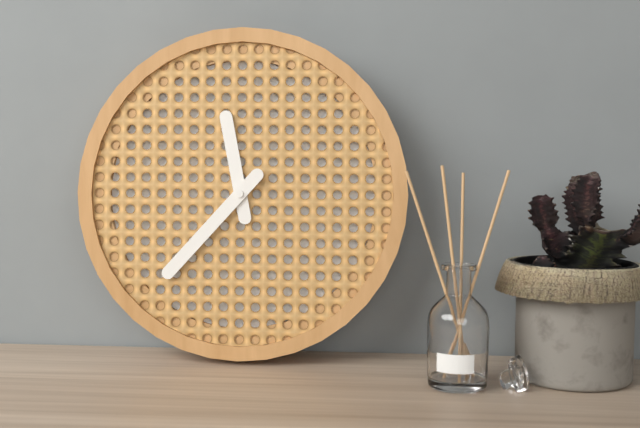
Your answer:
{"hour": 11, "minute": 37}
